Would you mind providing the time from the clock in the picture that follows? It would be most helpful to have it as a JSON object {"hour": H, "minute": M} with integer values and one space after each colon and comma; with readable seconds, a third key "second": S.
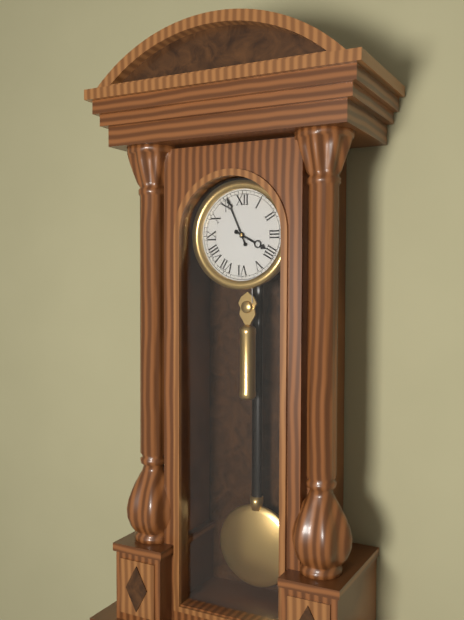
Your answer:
{"hour": 3, "minute": 56}
